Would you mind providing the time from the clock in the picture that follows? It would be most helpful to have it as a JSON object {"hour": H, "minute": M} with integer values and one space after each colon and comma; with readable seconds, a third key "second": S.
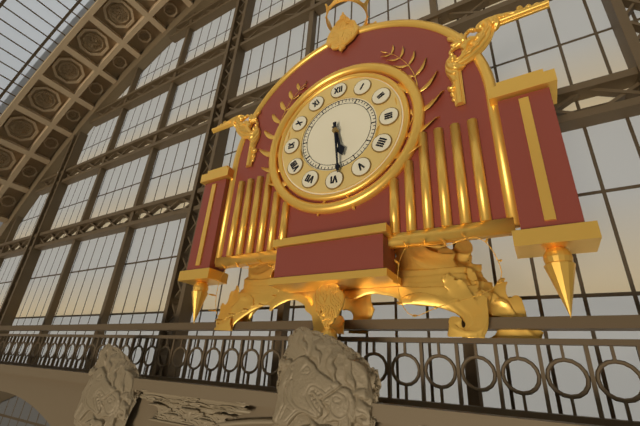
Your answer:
{"hour": 5, "minute": 29}
